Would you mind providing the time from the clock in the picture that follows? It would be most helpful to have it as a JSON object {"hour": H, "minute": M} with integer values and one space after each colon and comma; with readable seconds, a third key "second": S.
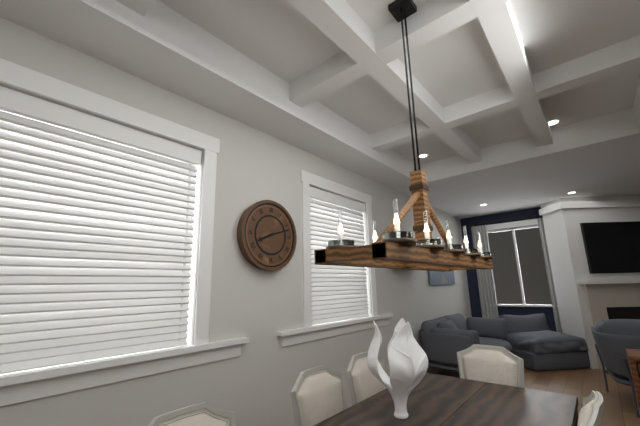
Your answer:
{"hour": 8, "minute": 12}
